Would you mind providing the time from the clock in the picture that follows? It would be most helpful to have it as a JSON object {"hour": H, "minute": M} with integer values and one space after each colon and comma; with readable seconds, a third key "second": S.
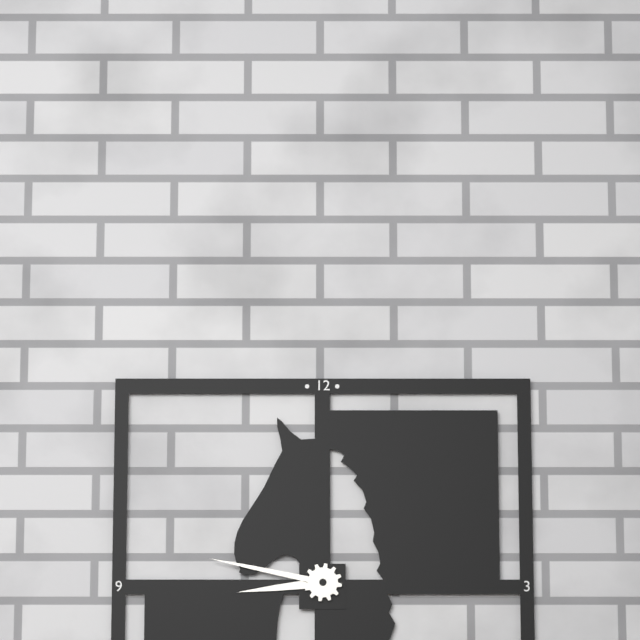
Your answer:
{"hour": 8, "minute": 47}
